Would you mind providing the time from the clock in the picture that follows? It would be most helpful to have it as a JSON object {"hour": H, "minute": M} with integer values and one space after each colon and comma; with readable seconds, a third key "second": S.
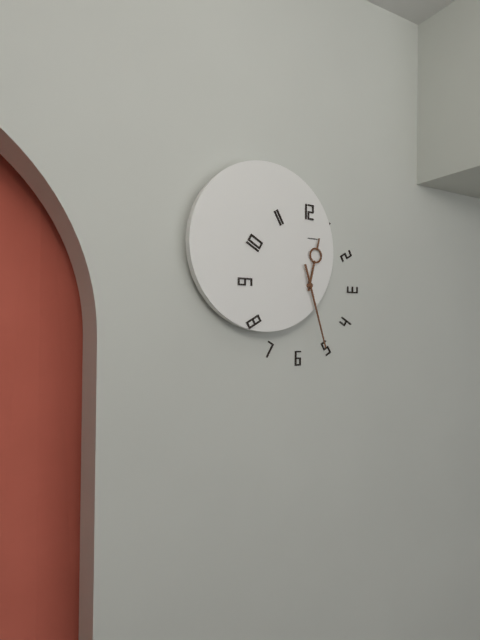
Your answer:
{"hour": 12, "minute": 27}
